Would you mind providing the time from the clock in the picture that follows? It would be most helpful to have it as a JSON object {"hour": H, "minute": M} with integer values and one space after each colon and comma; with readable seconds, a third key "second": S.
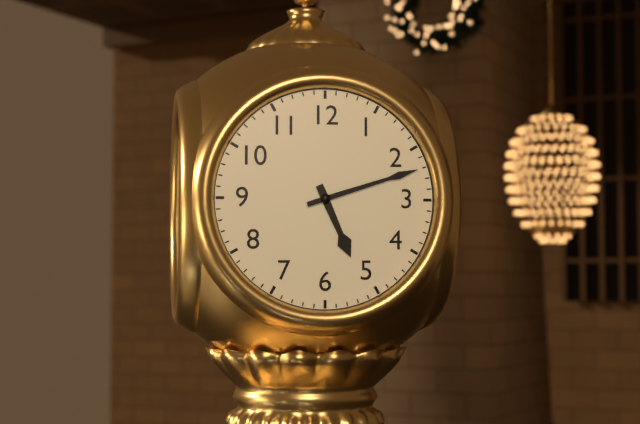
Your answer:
{"hour": 5, "minute": 12}
